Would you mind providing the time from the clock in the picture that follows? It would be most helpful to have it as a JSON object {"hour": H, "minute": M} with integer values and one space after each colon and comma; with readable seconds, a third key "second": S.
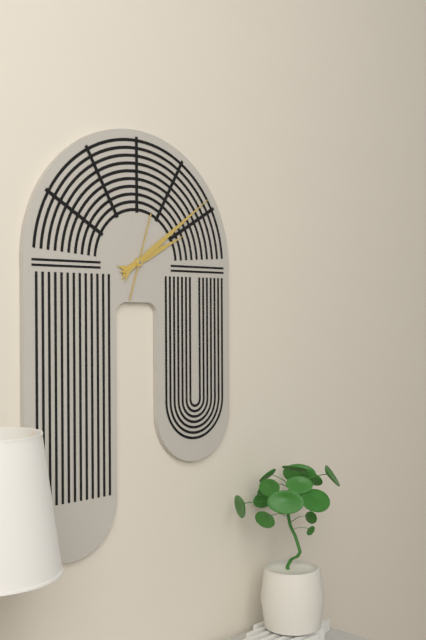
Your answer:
{"hour": 2, "minute": 9, "second": 3}
